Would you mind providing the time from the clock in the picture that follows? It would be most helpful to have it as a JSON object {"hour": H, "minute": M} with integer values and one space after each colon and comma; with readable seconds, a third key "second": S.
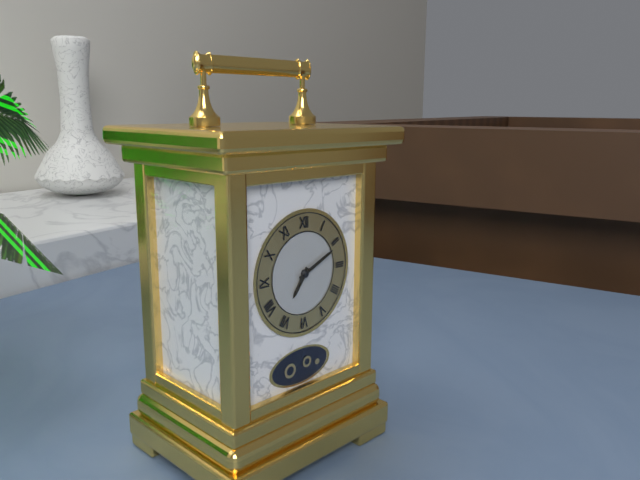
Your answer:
{"hour": 7, "minute": 11}
